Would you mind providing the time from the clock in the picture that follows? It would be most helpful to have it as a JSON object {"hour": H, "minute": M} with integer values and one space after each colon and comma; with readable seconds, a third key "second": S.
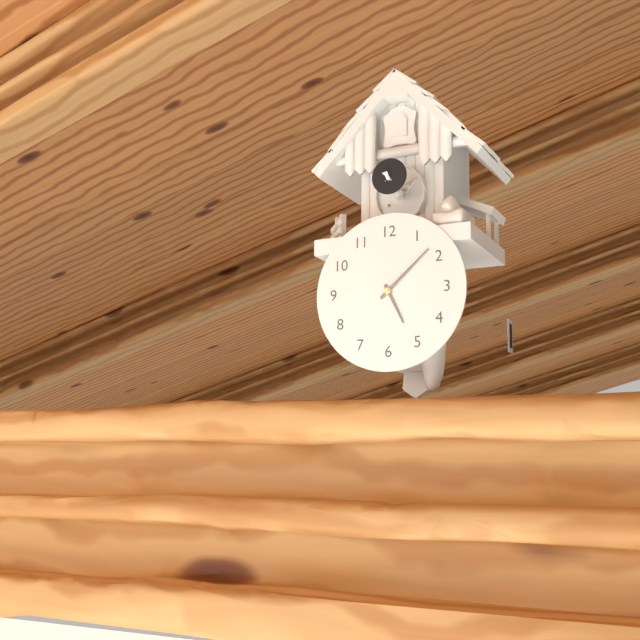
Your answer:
{"hour": 5, "minute": 8}
